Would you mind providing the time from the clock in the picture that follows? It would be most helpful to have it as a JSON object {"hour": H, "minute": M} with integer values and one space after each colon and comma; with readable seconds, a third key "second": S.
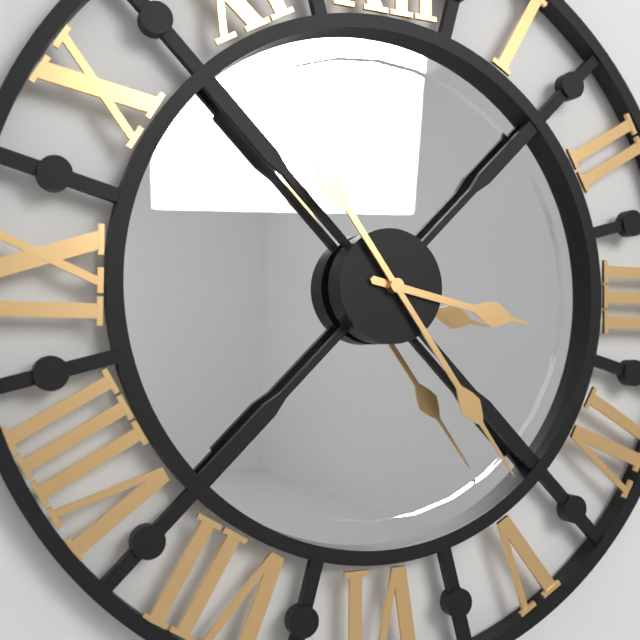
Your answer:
{"hour": 3, "minute": 24}
